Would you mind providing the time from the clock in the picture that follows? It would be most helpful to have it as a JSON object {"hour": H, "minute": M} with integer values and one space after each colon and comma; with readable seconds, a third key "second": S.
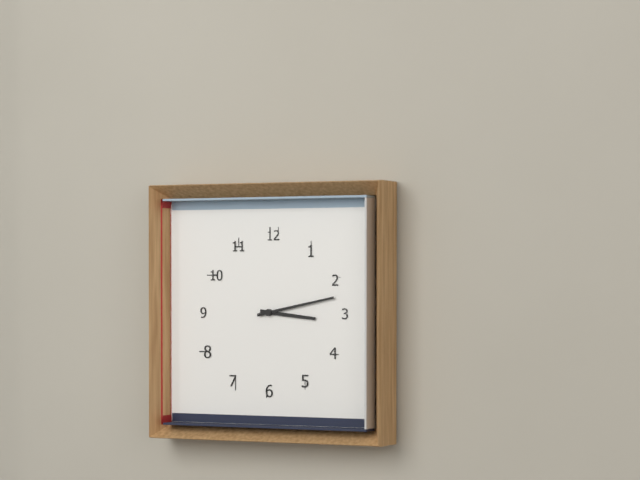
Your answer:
{"hour": 3, "minute": 13}
